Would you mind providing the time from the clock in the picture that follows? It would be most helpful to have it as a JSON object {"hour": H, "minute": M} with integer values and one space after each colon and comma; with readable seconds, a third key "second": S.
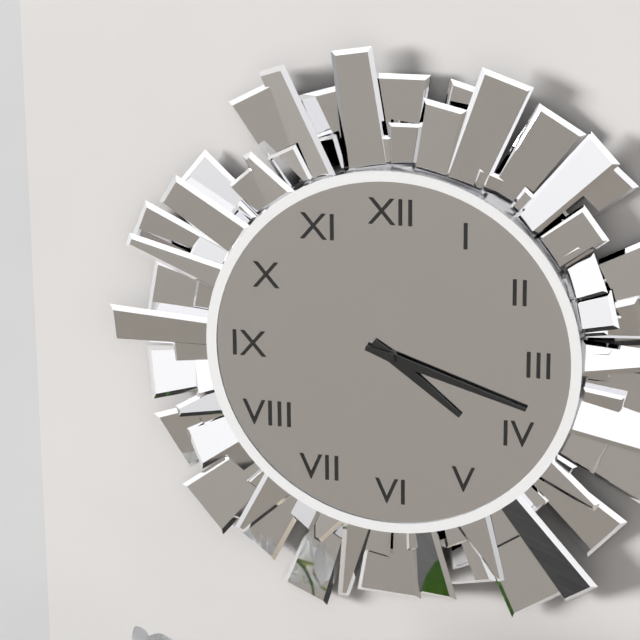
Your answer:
{"hour": 4, "minute": 18}
